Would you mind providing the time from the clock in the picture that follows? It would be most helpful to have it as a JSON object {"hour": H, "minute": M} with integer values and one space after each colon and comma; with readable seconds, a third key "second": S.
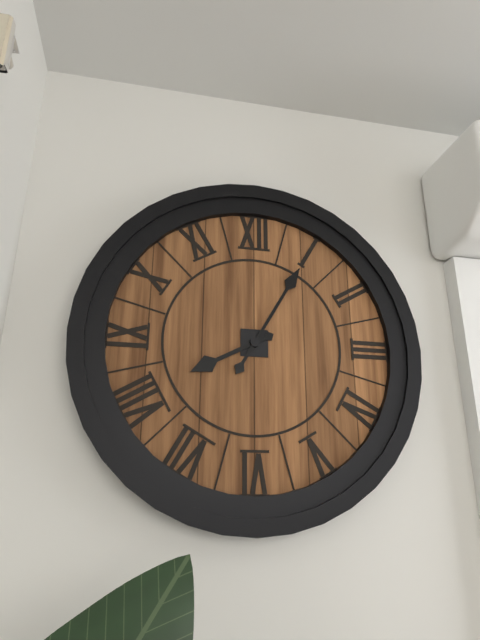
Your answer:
{"hour": 8, "minute": 5}
